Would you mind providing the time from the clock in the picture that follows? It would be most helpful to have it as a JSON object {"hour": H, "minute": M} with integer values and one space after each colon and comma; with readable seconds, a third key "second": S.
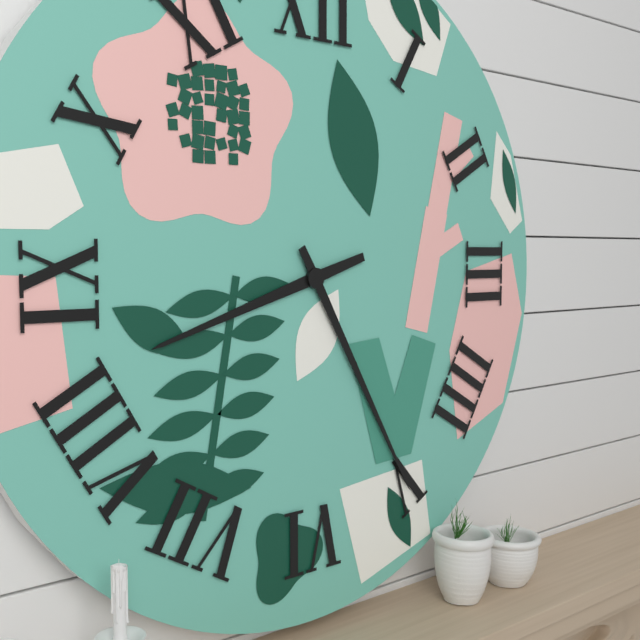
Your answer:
{"hour": 8, "minute": 25}
